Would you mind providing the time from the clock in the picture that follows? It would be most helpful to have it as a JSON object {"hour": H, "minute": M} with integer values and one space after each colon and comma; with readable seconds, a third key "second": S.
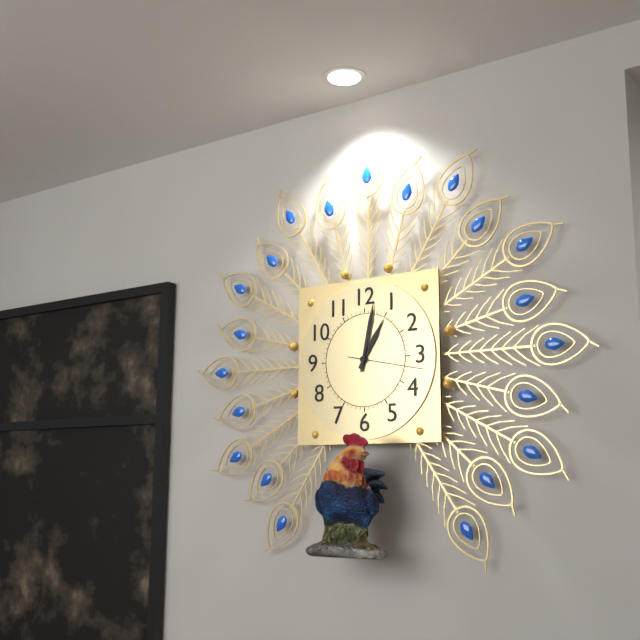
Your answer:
{"hour": 1, "minute": 2, "second": 17}
